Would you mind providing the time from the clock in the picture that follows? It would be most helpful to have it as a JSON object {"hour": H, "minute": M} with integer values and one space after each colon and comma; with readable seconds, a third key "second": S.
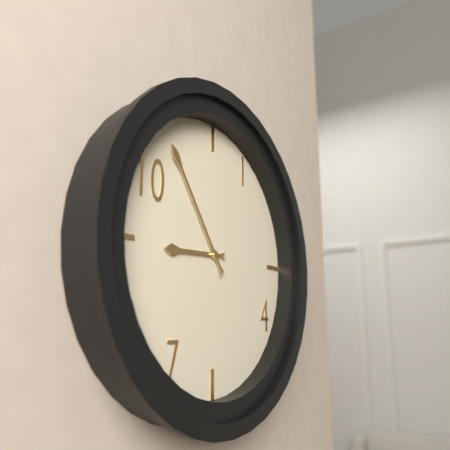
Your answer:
{"hour": 8, "minute": 54}
